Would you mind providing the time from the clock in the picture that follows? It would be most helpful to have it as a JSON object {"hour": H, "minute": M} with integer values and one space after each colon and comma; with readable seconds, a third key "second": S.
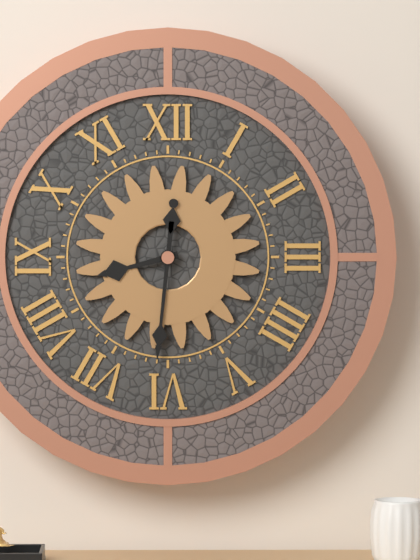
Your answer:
{"hour": 8, "minute": 31}
